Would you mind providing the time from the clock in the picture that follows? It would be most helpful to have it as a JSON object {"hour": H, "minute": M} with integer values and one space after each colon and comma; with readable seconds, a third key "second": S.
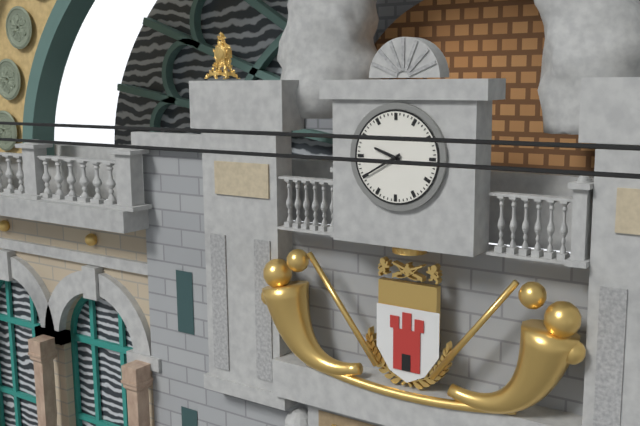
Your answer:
{"hour": 9, "minute": 40}
